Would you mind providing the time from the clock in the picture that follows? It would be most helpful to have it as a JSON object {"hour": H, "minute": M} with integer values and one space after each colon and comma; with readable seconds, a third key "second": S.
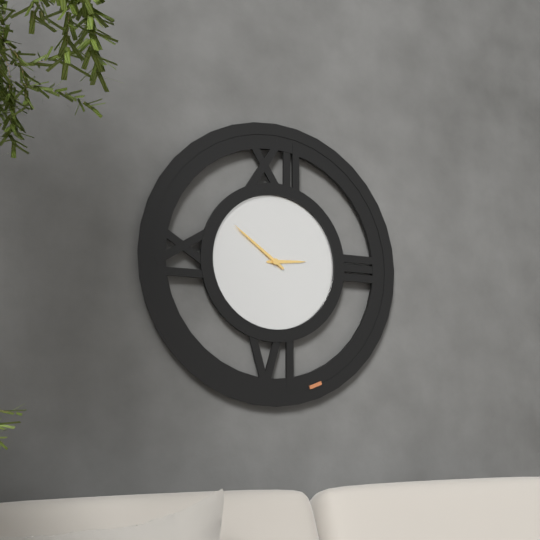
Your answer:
{"hour": 2, "minute": 51}
